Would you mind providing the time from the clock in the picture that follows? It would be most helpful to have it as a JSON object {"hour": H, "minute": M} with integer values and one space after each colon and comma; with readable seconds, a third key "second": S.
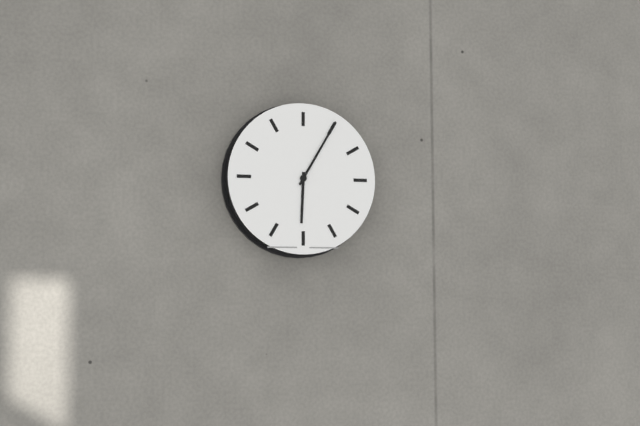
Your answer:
{"hour": 6, "minute": 5}
